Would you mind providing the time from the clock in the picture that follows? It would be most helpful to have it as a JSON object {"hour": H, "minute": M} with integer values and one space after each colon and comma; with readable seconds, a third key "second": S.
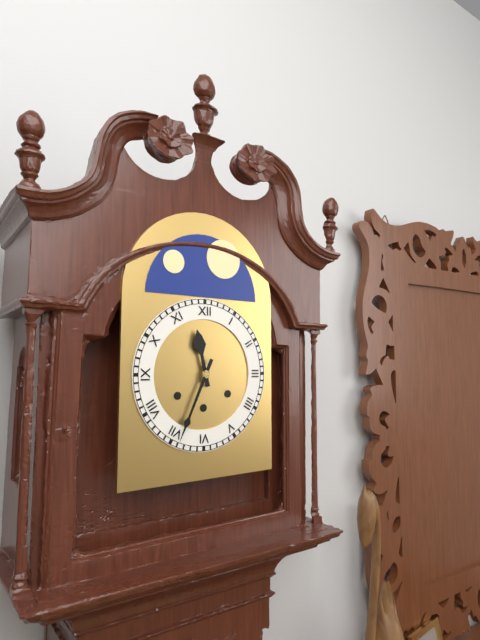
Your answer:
{"hour": 11, "minute": 34}
